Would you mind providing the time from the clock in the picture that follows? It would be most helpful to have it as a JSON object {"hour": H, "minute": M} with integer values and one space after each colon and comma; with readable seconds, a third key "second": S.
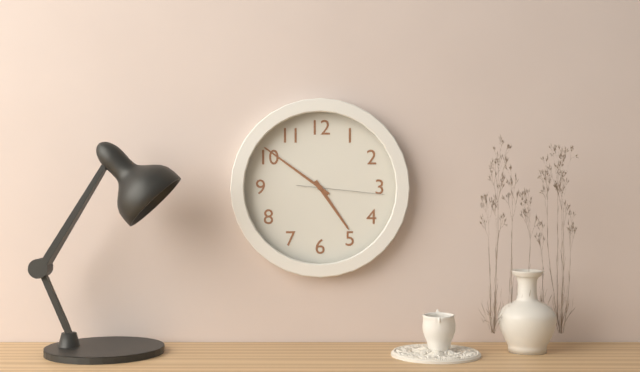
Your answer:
{"hour": 4, "minute": 51, "second": 16}
